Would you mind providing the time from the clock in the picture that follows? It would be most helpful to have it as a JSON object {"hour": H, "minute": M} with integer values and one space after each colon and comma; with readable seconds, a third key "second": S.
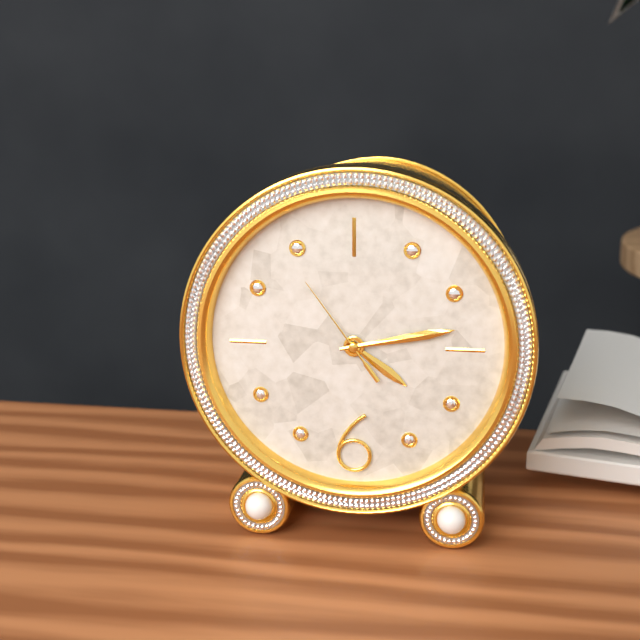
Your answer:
{"hour": 4, "minute": 13, "second": 54}
